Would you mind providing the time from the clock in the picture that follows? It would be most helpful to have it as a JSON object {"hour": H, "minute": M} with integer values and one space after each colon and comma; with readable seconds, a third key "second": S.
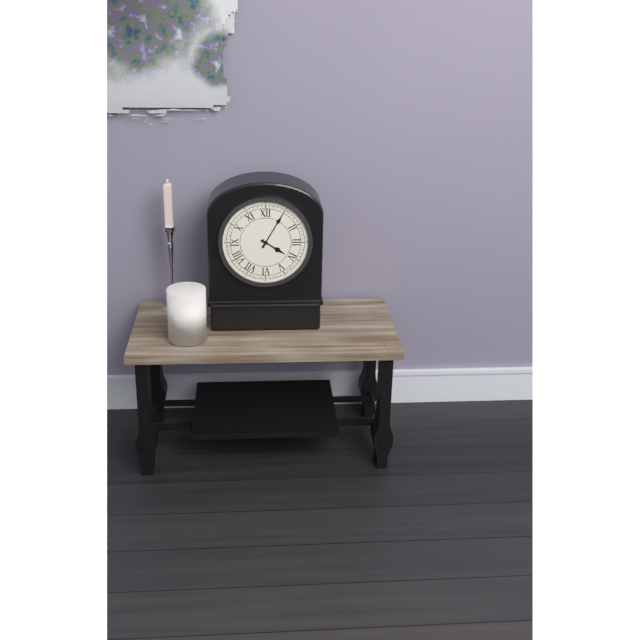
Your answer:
{"hour": 4, "minute": 5}
